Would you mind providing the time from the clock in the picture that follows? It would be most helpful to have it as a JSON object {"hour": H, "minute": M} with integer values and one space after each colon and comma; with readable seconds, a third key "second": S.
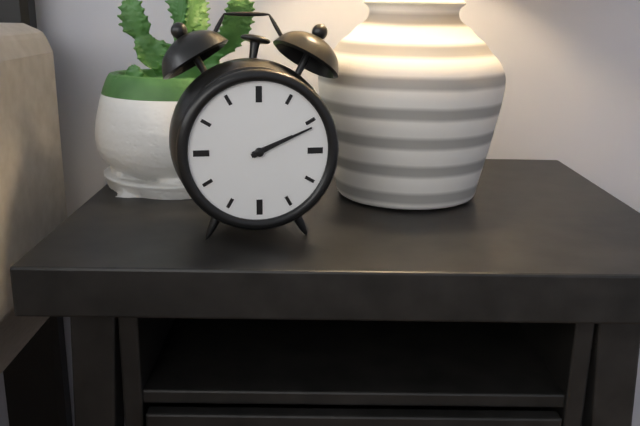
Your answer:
{"hour": 2, "minute": 11}
